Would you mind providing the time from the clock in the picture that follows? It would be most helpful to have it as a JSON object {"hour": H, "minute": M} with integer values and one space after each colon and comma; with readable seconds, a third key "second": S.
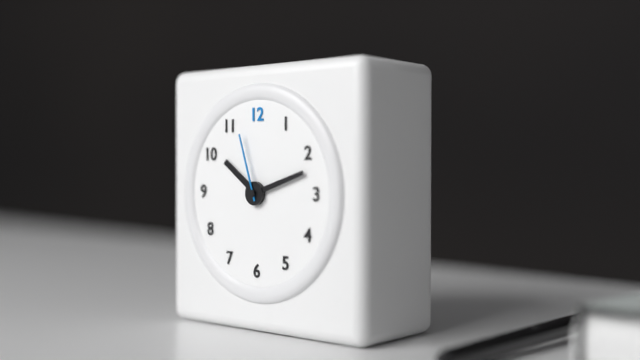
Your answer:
{"hour": 10, "minute": 12, "second": 57}
